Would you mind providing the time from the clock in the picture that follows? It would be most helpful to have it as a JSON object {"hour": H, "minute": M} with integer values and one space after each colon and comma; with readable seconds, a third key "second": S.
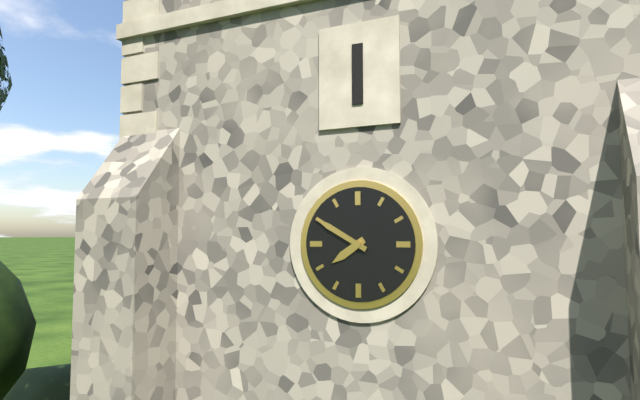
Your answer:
{"hour": 7, "minute": 50}
